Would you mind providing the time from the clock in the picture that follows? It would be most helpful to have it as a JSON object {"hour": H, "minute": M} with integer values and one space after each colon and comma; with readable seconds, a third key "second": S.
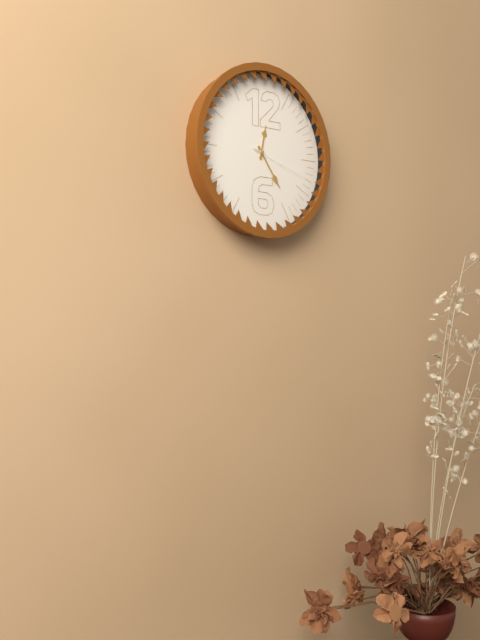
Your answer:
{"hour": 12, "minute": 24, "second": 18}
